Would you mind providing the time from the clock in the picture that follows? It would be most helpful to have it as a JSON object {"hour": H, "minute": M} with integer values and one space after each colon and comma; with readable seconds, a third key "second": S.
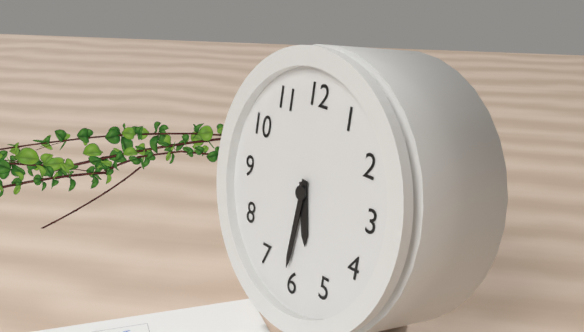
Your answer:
{"hour": 5, "minute": 31}
